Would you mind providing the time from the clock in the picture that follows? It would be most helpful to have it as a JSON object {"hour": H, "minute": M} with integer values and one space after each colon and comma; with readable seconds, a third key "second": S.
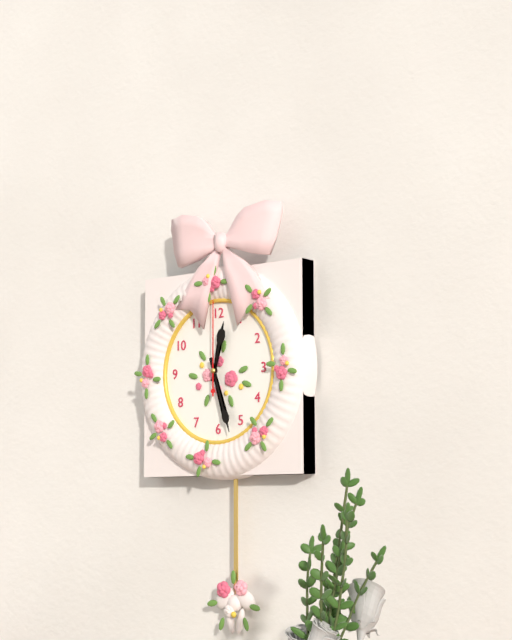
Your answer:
{"hour": 12, "minute": 27, "second": 0}
